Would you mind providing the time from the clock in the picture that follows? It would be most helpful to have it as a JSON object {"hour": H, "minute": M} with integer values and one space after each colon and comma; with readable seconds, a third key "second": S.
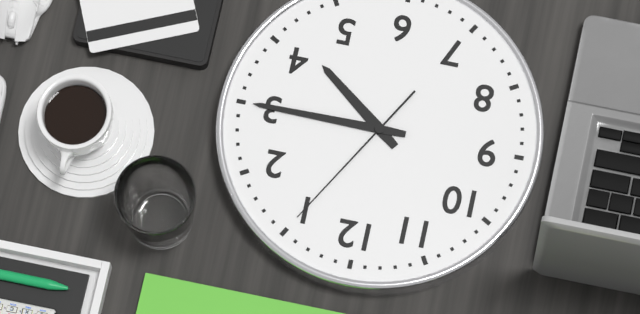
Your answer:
{"hour": 4, "minute": 15, "second": 5}
